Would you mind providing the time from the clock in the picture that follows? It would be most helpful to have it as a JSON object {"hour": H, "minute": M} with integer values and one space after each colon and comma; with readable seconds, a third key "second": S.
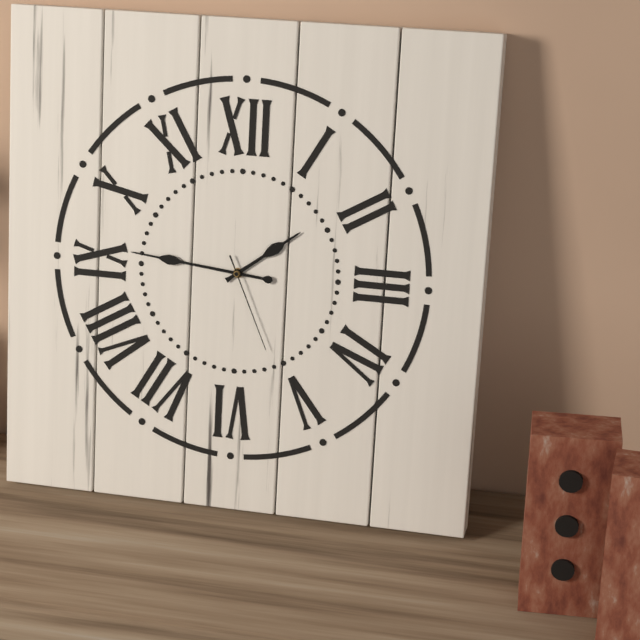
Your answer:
{"hour": 1, "minute": 46, "second": 26}
